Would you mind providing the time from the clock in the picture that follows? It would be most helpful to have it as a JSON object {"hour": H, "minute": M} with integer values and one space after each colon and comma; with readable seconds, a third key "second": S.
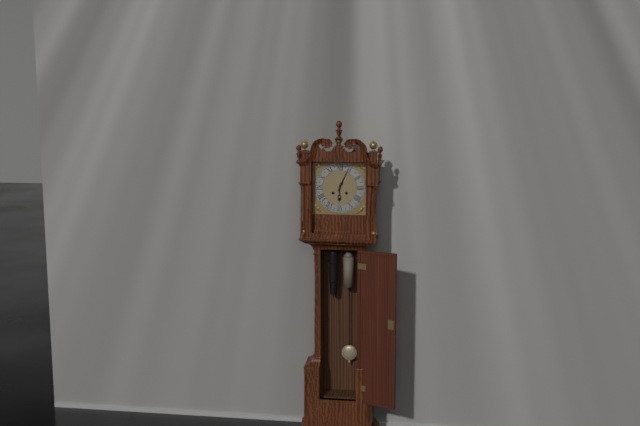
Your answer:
{"hour": 6, "minute": 4}
